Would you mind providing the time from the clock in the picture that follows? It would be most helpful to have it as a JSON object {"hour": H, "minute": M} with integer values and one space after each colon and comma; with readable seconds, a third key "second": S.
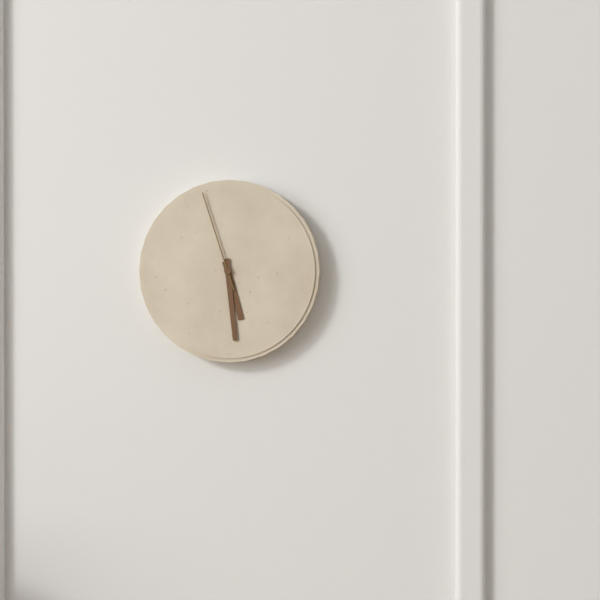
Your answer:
{"hour": 5, "minute": 29, "second": 57}
